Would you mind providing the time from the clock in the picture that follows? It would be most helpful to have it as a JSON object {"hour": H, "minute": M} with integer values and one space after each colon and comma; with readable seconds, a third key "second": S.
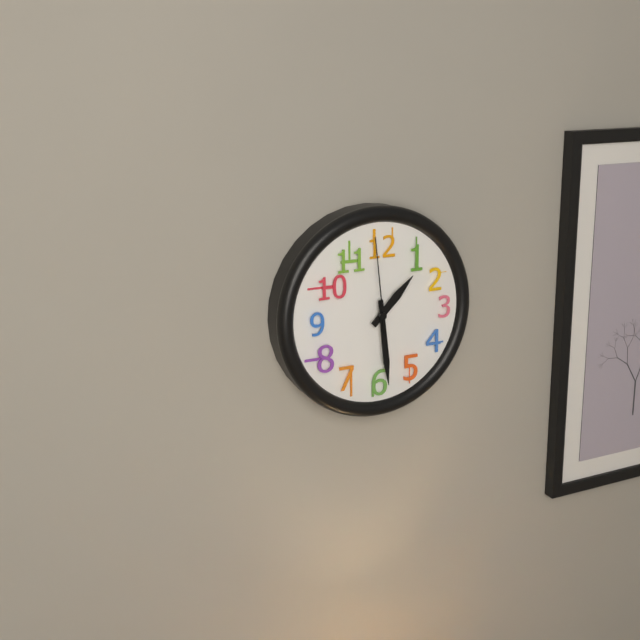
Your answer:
{"hour": 1, "minute": 29, "second": 59}
